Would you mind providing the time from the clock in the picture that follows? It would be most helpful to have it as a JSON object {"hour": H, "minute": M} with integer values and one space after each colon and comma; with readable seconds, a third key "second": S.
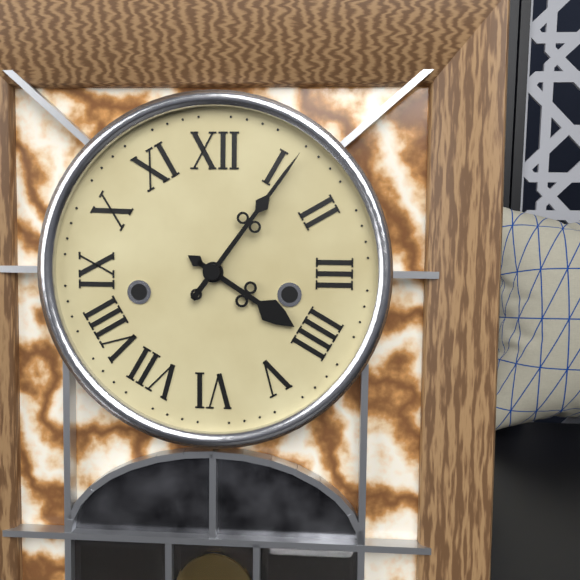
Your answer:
{"hour": 4, "minute": 6}
